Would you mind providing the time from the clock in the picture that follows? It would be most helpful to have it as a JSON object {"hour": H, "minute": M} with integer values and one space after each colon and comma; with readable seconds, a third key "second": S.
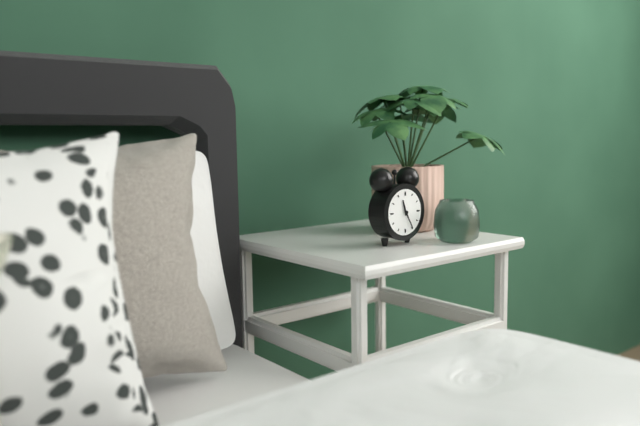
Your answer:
{"hour": 11, "minute": 25}
